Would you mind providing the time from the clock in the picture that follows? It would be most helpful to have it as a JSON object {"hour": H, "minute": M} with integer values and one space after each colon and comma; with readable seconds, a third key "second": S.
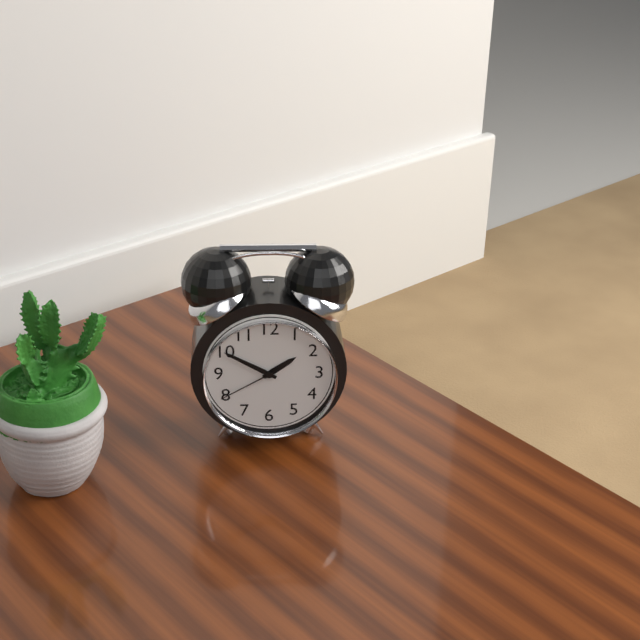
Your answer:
{"hour": 1, "minute": 50, "second": 40}
